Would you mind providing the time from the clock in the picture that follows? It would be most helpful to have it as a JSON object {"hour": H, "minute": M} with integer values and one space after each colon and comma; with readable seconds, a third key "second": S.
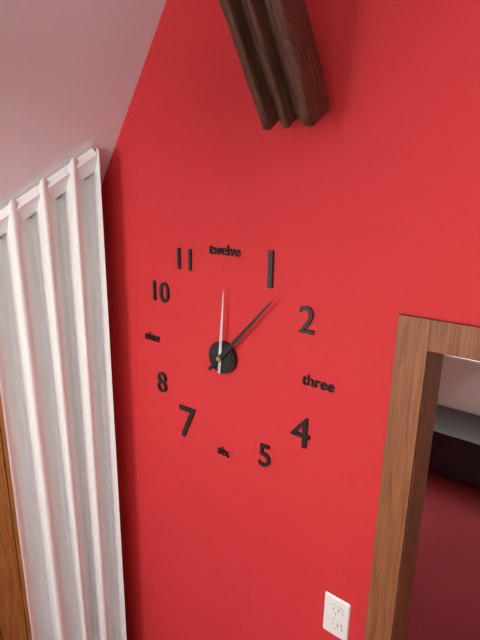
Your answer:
{"hour": 12, "minute": 7}
